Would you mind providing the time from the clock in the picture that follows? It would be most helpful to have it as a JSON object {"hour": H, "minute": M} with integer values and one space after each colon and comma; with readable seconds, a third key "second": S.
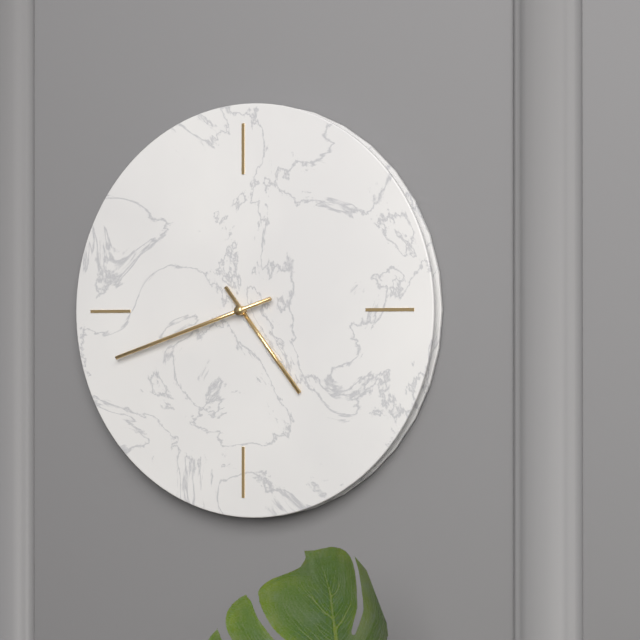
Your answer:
{"hour": 4, "minute": 42}
